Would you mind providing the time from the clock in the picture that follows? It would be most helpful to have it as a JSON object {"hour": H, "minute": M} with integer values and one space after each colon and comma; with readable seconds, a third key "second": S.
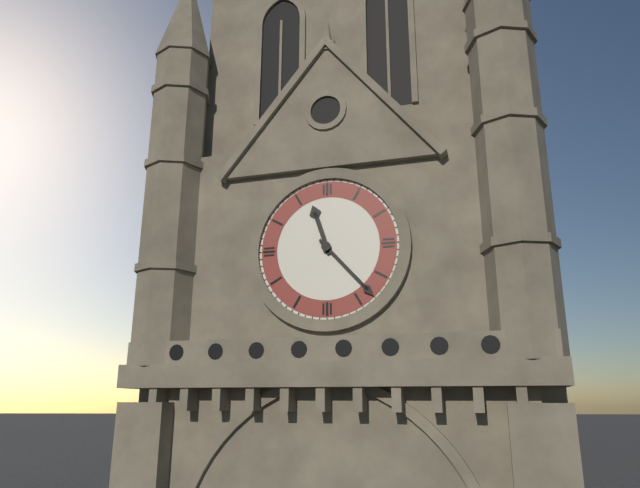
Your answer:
{"hour": 11, "minute": 23}
